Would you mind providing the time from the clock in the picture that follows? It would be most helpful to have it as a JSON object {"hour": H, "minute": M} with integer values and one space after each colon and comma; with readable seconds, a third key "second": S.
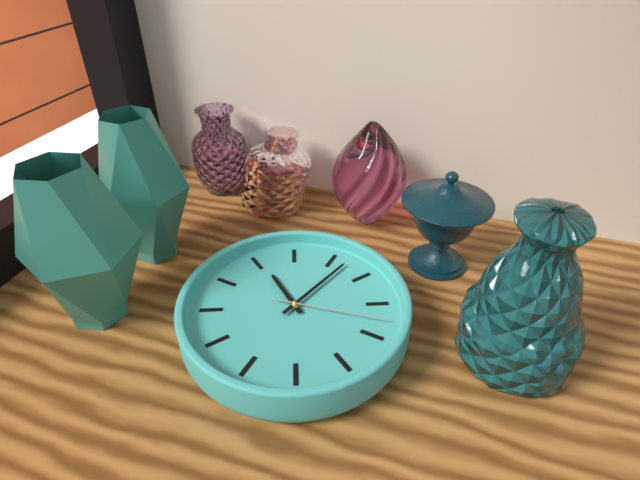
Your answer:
{"hour": 11, "minute": 7, "second": 18}
